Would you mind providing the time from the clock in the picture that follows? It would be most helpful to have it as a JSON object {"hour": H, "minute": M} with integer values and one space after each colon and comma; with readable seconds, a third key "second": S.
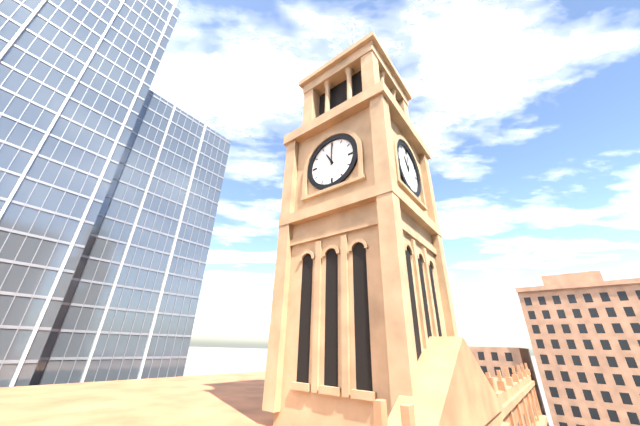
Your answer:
{"hour": 11, "minute": 0}
